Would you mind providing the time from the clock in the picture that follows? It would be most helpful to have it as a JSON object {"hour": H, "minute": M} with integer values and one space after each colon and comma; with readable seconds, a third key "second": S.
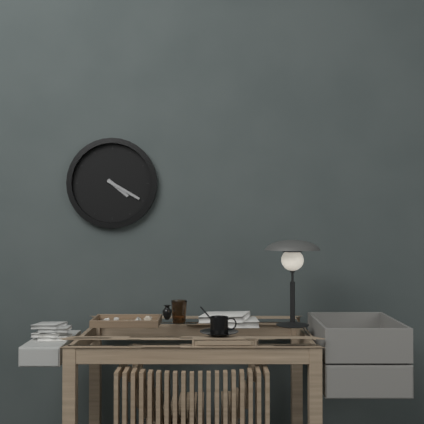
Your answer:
{"hour": 4, "minute": 20}
